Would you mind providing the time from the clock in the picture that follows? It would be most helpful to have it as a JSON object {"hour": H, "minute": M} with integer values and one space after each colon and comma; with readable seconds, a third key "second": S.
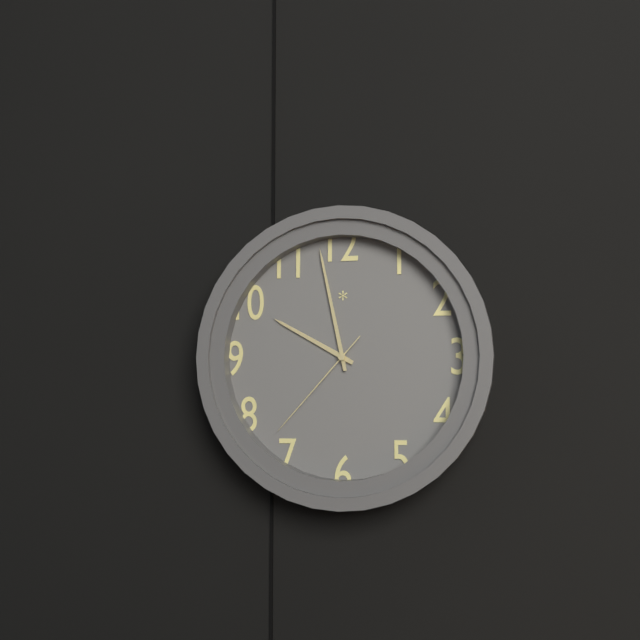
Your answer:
{"hour": 9, "minute": 58, "second": 37}
